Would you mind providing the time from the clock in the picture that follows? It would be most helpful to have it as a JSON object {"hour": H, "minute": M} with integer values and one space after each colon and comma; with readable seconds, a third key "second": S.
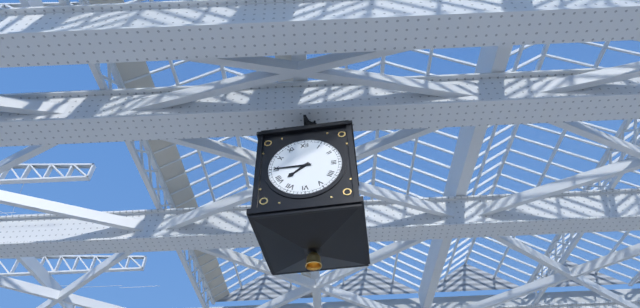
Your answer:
{"hour": 7, "minute": 45}
